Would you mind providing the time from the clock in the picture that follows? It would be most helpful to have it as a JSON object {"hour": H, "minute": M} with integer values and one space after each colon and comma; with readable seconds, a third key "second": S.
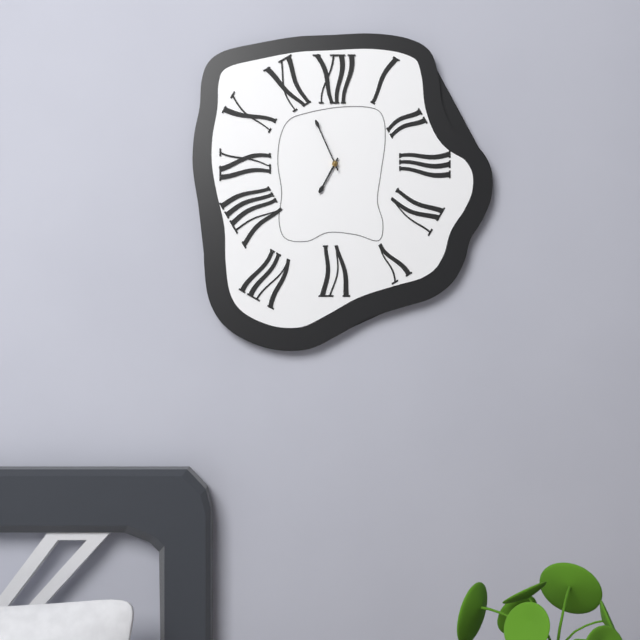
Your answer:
{"hour": 6, "minute": 56}
